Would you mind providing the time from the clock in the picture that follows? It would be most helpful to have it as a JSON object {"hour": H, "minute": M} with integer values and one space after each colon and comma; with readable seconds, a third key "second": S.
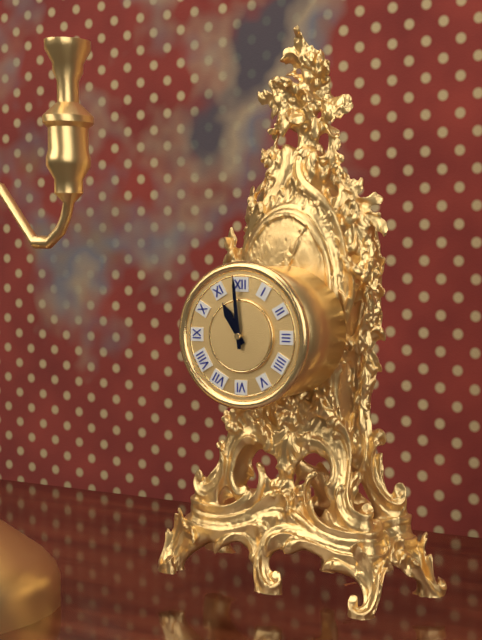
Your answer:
{"hour": 10, "minute": 59}
